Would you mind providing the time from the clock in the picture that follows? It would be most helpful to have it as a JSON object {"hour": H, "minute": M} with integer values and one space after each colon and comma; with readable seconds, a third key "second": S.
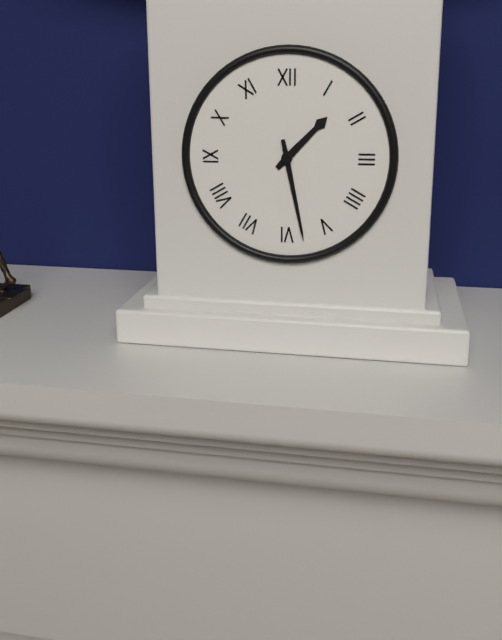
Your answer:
{"hour": 1, "minute": 28}
